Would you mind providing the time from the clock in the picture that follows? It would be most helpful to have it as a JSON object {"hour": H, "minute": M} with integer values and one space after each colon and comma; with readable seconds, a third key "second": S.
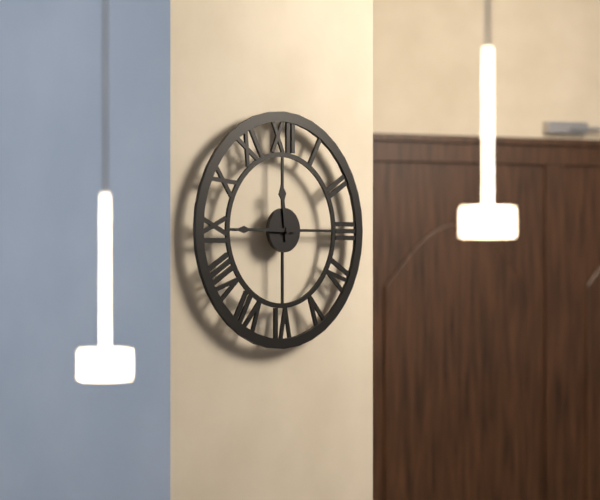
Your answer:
{"hour": 11, "minute": 45}
